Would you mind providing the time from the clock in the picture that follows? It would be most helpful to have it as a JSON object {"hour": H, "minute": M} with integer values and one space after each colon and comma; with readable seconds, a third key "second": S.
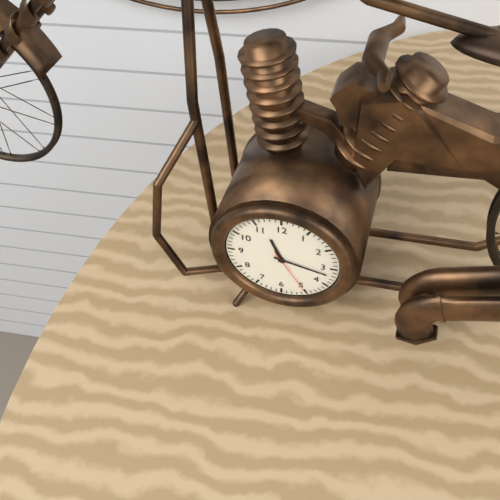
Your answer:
{"hour": 11, "minute": 17}
